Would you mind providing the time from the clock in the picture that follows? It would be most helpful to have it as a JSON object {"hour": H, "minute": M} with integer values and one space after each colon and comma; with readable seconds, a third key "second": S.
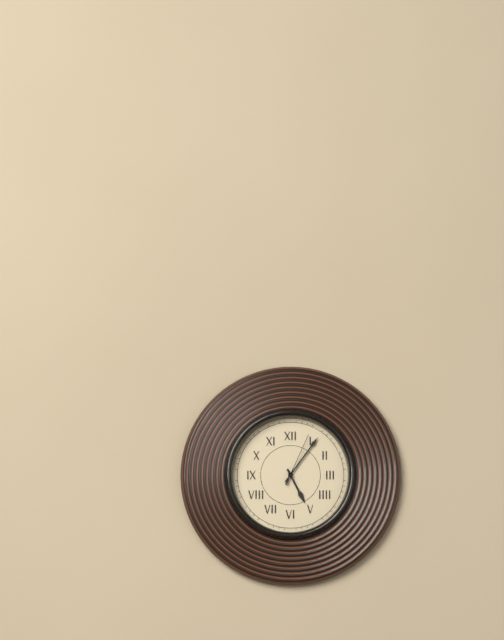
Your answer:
{"hour": 5, "minute": 6, "second": 4}
